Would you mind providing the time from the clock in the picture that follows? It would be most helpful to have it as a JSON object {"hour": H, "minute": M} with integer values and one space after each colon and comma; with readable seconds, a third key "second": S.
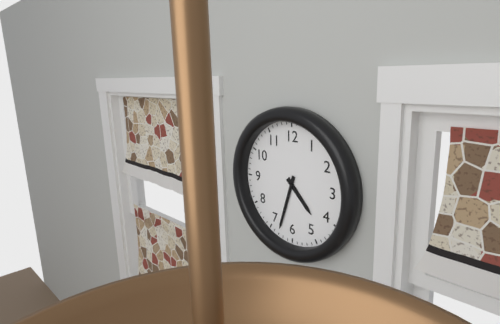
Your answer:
{"hour": 4, "minute": 33}
